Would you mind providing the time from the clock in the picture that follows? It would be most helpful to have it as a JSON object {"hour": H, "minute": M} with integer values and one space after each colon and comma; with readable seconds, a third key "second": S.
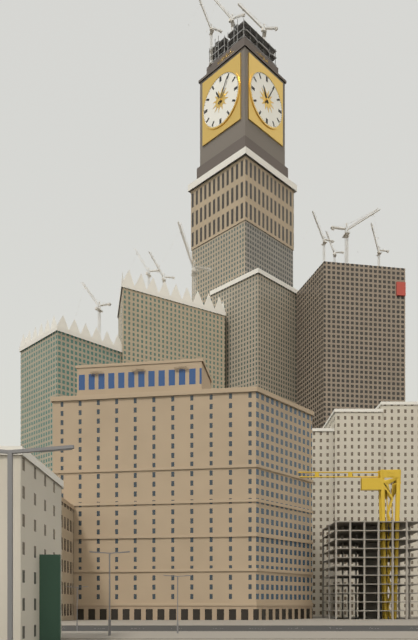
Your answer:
{"hour": 11, "minute": 5}
